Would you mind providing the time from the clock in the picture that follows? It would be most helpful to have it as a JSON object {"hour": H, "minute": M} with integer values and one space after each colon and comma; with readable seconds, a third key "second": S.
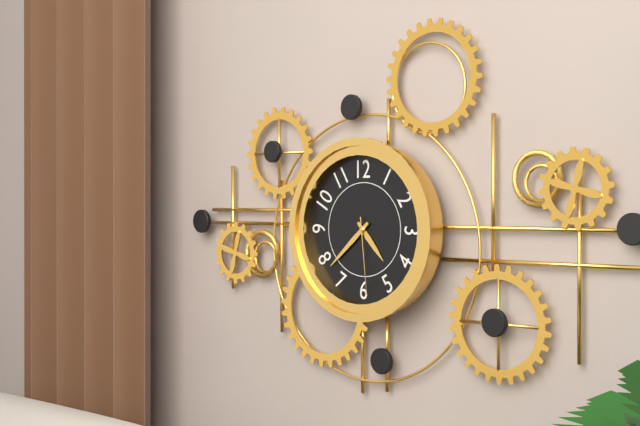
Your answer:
{"hour": 4, "minute": 38, "second": 29}
